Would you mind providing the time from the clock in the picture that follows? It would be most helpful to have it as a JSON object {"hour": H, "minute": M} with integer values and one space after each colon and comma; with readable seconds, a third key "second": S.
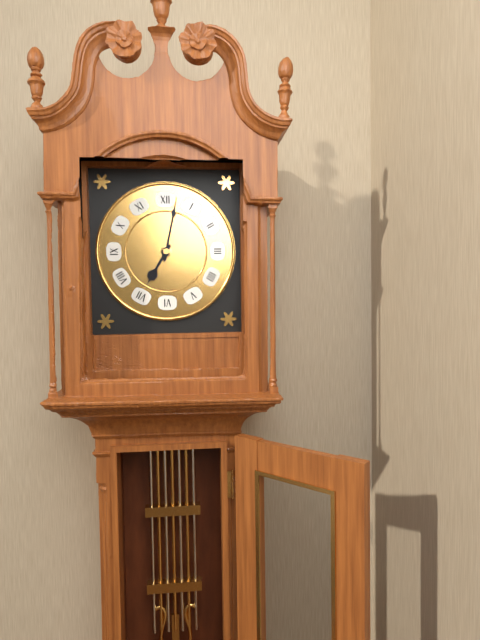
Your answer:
{"hour": 7, "minute": 2}
